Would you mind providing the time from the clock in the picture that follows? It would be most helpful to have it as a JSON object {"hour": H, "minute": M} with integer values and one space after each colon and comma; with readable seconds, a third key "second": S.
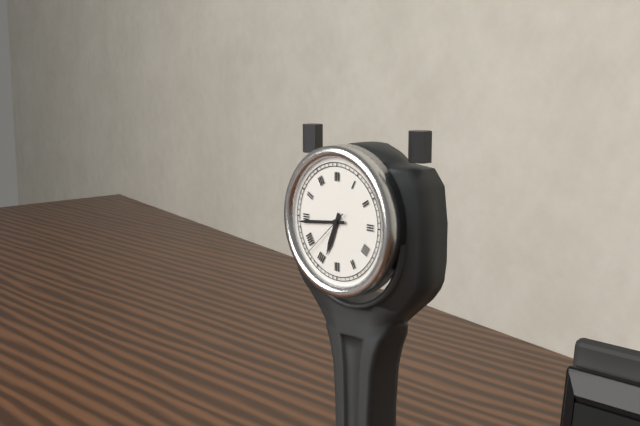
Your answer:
{"hour": 6, "minute": 44, "second": 38}
